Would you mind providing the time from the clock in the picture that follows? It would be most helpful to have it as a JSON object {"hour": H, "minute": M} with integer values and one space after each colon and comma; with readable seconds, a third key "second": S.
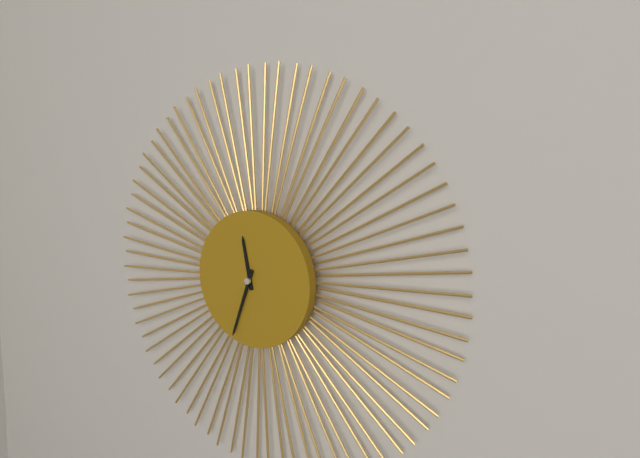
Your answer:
{"hour": 11, "minute": 33}
